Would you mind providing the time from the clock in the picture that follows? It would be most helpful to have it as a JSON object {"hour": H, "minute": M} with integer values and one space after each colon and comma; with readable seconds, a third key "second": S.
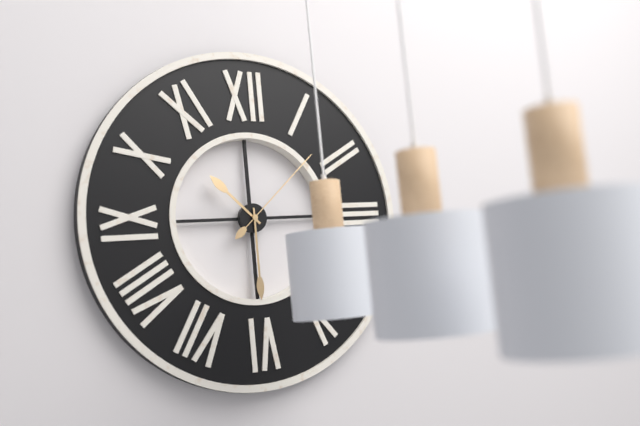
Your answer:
{"hour": 10, "minute": 30, "second": 8}
